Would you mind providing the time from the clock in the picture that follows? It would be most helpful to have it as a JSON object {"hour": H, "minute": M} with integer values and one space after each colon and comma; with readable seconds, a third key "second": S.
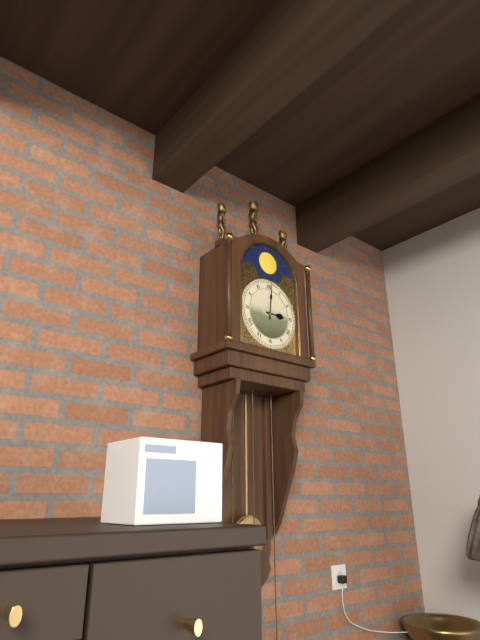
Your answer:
{"hour": 3, "minute": 1}
